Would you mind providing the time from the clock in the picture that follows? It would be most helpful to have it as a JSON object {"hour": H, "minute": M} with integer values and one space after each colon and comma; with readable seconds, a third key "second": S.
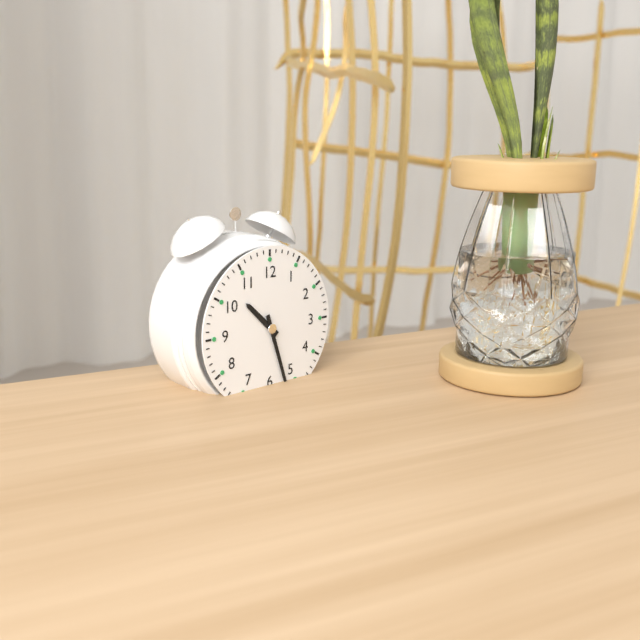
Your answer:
{"hour": 10, "minute": 27}
